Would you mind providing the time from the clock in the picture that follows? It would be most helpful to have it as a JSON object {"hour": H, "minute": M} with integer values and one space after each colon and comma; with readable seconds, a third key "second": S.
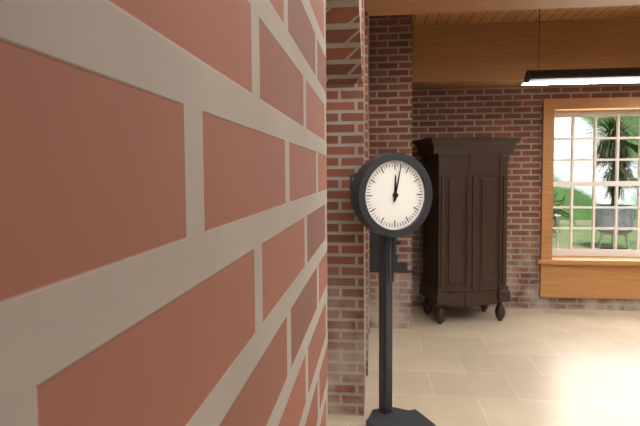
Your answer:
{"hour": 12, "minute": 2}
